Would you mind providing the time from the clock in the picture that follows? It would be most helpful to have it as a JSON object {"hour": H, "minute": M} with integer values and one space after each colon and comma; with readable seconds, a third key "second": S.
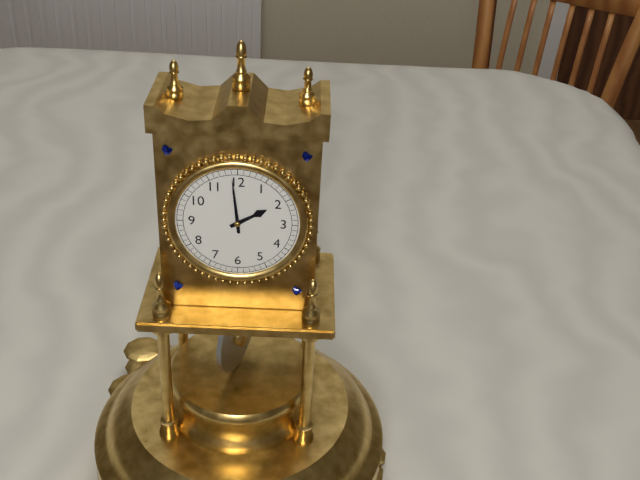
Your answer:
{"hour": 1, "minute": 59}
